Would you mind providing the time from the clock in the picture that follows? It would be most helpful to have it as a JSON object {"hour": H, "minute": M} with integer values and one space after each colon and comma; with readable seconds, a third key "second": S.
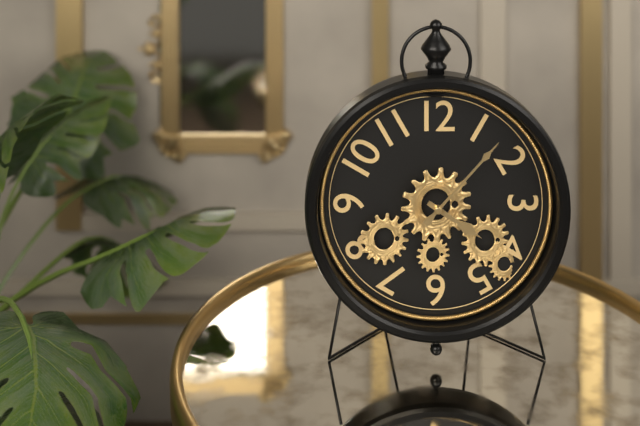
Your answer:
{"hour": 4, "minute": 7}
